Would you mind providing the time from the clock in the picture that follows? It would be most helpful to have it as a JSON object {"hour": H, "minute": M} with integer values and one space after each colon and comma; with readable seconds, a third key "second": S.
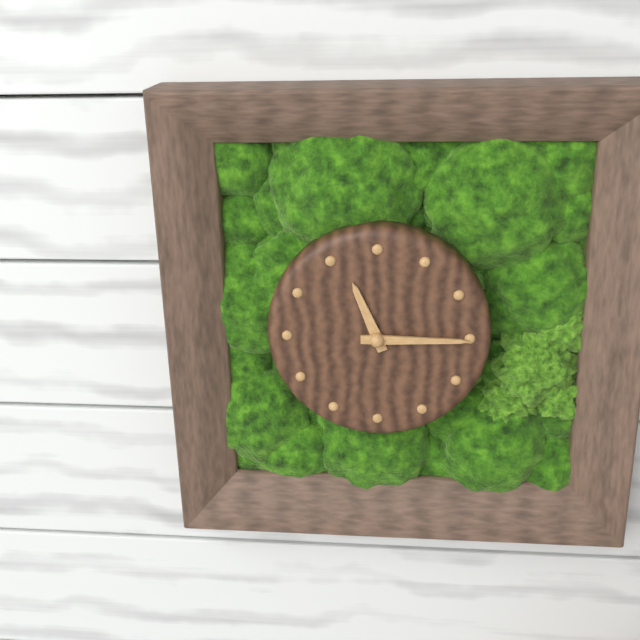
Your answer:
{"hour": 11, "minute": 15}
